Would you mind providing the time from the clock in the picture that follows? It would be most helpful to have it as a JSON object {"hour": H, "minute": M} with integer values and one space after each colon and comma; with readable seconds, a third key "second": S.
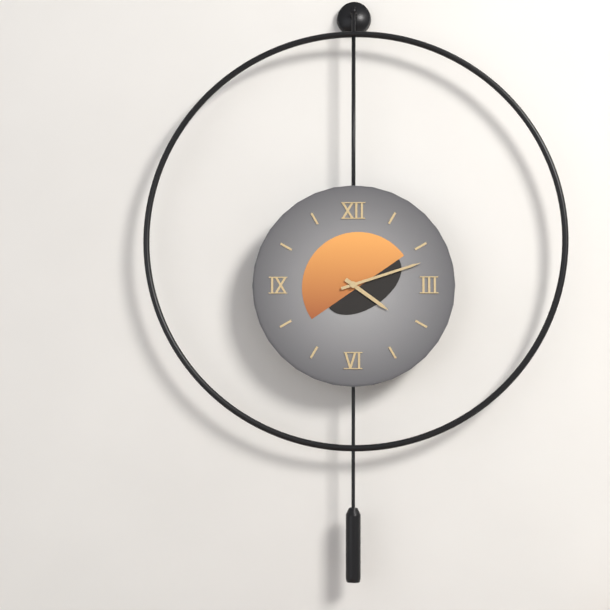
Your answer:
{"hour": 4, "minute": 12}
